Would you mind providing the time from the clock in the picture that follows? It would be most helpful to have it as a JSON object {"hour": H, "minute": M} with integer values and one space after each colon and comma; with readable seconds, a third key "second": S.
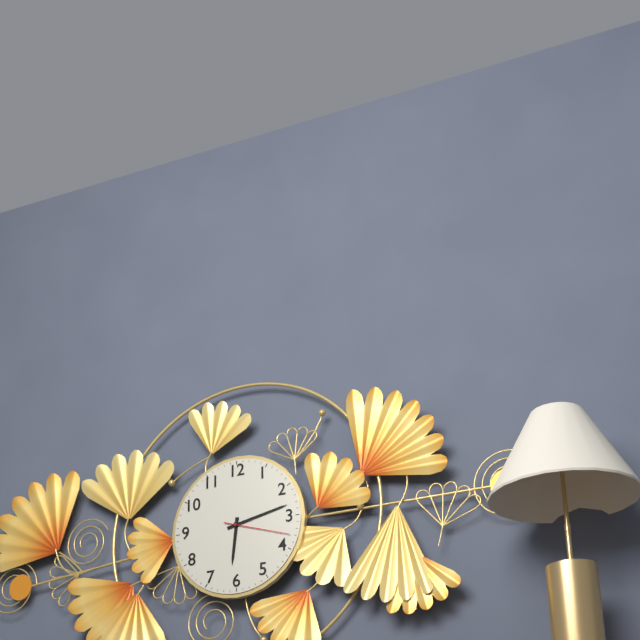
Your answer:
{"hour": 6, "minute": 13, "second": 18}
